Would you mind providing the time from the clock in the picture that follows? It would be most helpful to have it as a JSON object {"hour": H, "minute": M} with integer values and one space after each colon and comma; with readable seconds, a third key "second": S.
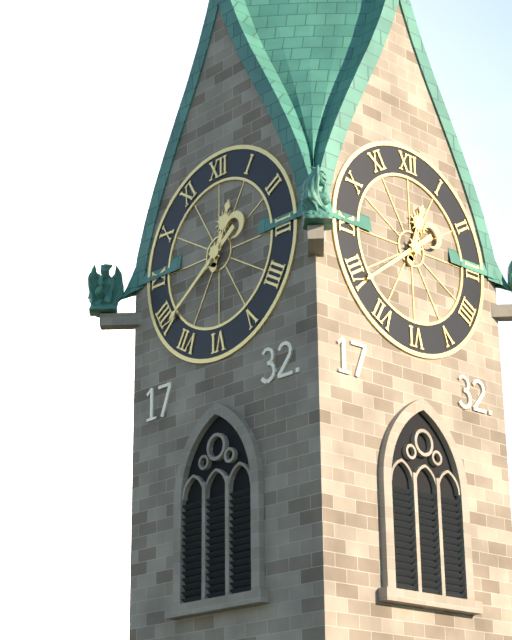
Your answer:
{"hour": 12, "minute": 39}
